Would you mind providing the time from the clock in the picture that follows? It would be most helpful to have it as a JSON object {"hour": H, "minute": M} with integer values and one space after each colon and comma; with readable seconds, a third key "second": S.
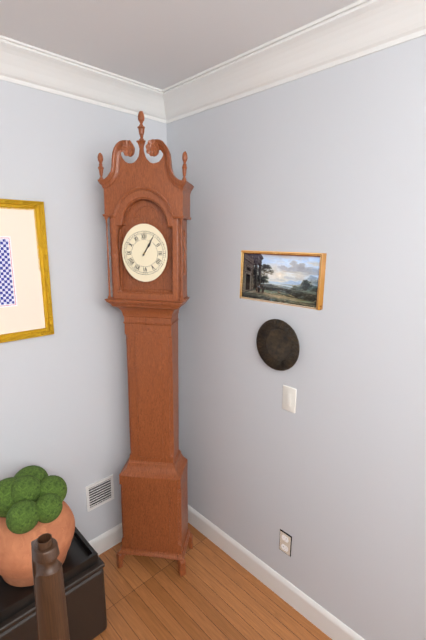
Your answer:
{"hour": 1, "minute": 5}
